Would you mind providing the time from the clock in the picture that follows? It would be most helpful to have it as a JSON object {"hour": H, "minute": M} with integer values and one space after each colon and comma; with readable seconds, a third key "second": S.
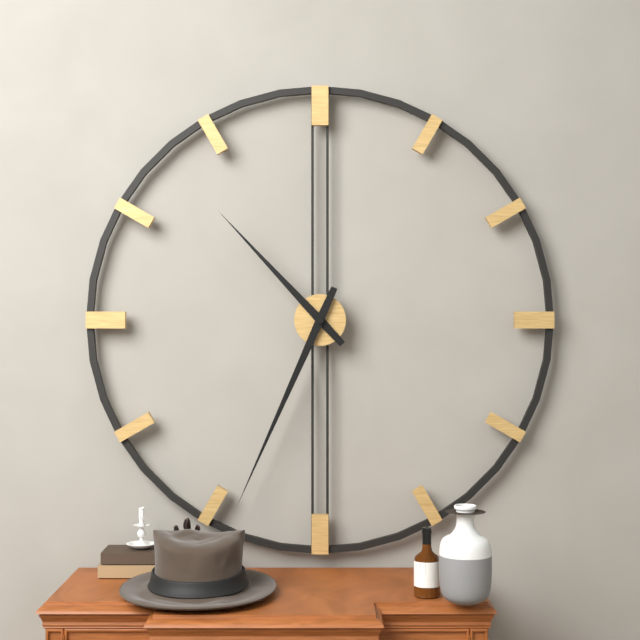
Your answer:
{"hour": 10, "minute": 34}
